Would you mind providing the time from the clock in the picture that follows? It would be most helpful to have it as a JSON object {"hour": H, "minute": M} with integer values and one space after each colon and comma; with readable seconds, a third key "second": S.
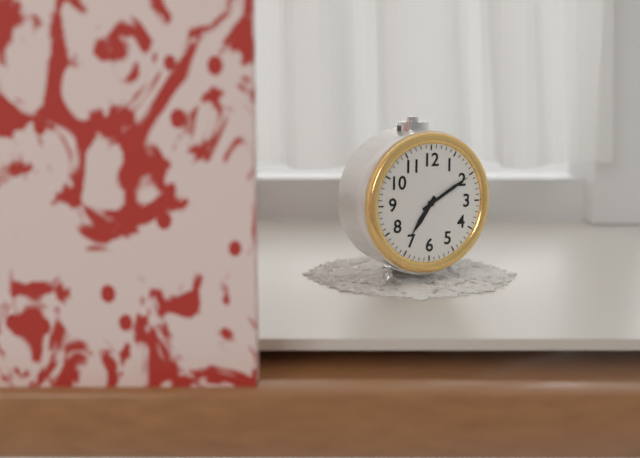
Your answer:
{"hour": 7, "minute": 10}
